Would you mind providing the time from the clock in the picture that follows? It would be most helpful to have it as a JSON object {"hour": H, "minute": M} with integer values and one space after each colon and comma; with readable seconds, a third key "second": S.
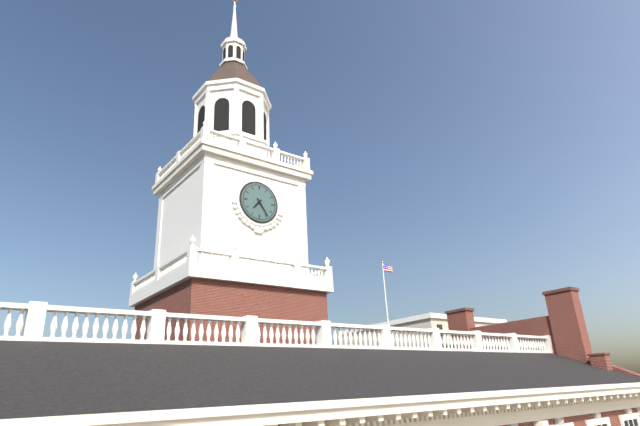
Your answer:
{"hour": 7, "minute": 24}
